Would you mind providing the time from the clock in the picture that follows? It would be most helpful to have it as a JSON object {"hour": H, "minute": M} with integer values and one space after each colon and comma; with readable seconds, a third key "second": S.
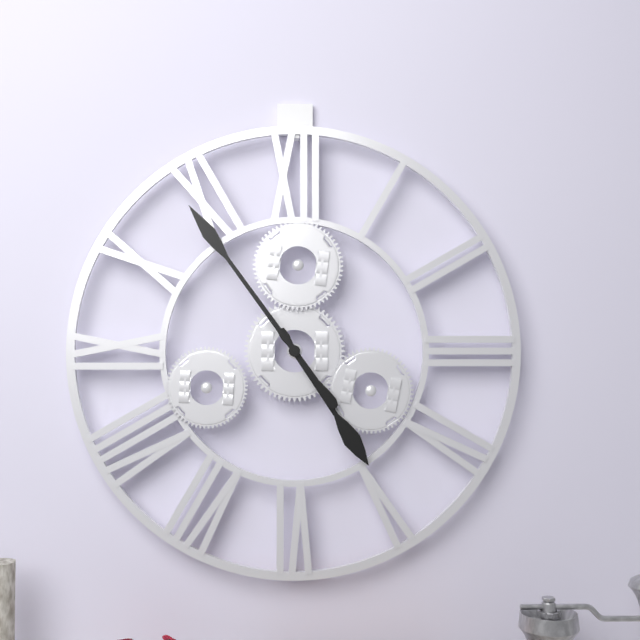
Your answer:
{"hour": 4, "minute": 54}
